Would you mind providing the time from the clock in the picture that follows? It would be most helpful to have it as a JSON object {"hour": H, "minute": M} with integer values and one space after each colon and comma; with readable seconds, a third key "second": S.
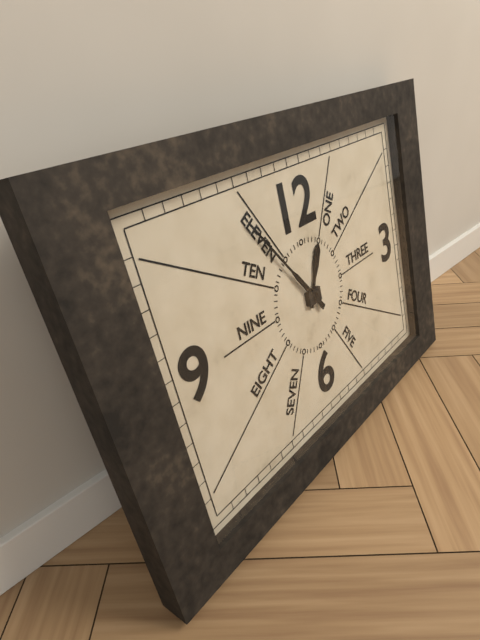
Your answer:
{"hour": 12, "minute": 54}
